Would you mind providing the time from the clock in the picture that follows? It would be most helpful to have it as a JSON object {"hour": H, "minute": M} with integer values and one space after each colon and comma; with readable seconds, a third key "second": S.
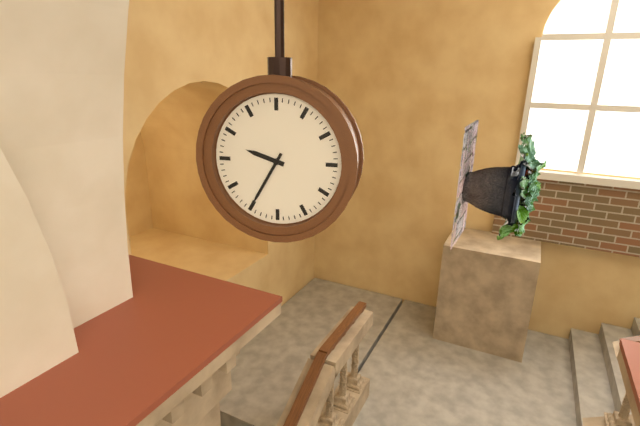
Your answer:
{"hour": 9, "minute": 35}
